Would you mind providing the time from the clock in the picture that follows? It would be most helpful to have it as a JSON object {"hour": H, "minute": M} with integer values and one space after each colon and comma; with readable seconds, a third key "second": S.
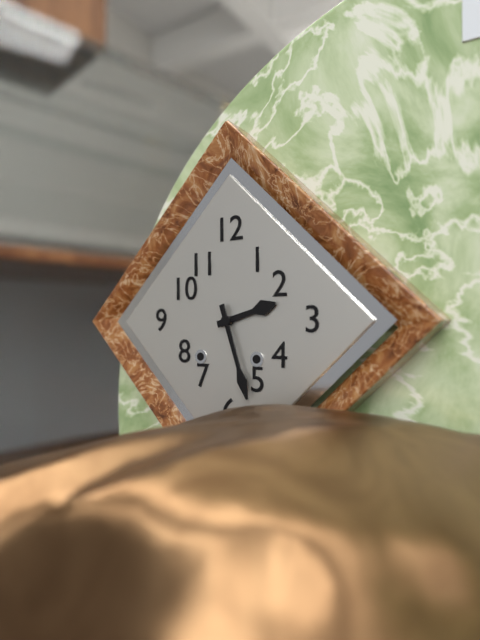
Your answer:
{"hour": 2, "minute": 27}
